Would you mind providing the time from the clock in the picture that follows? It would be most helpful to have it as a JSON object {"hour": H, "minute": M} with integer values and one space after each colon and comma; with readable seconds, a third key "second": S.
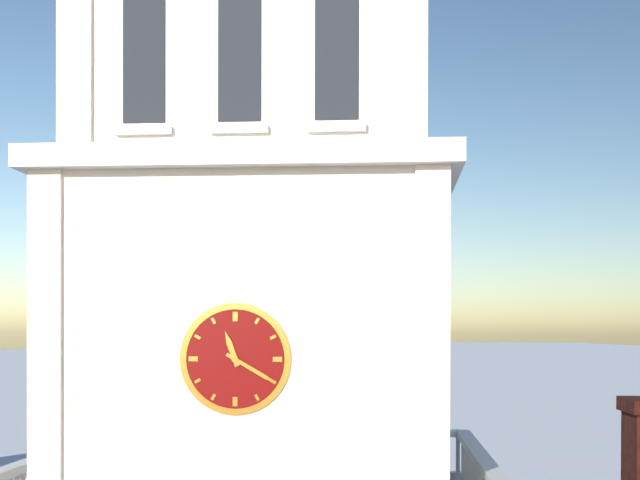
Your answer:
{"hour": 11, "minute": 20}
